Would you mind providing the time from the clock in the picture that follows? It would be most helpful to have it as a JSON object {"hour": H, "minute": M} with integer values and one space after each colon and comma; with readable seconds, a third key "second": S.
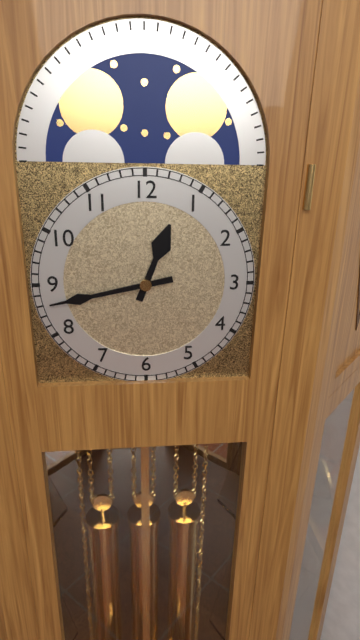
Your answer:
{"hour": 12, "minute": 43}
